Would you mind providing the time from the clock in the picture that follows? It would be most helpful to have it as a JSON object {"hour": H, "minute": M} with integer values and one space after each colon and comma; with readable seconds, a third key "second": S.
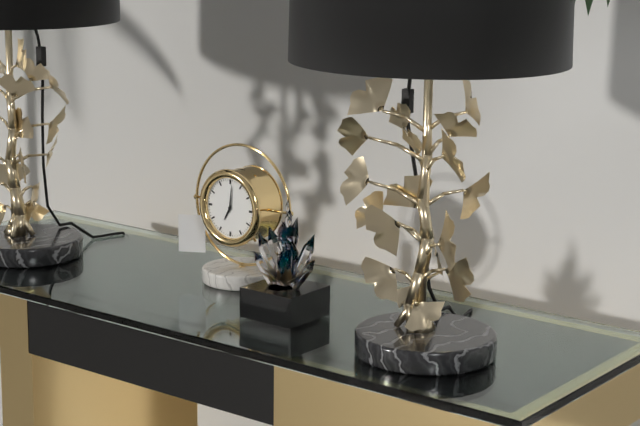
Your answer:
{"hour": 7, "minute": 1}
